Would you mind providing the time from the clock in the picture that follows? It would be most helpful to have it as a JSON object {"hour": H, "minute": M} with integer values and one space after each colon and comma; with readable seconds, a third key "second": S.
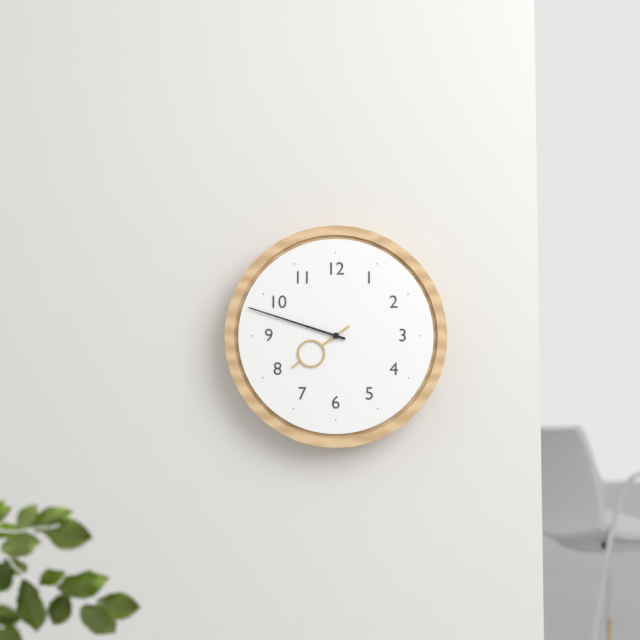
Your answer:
{"hour": 7, "minute": 48}
